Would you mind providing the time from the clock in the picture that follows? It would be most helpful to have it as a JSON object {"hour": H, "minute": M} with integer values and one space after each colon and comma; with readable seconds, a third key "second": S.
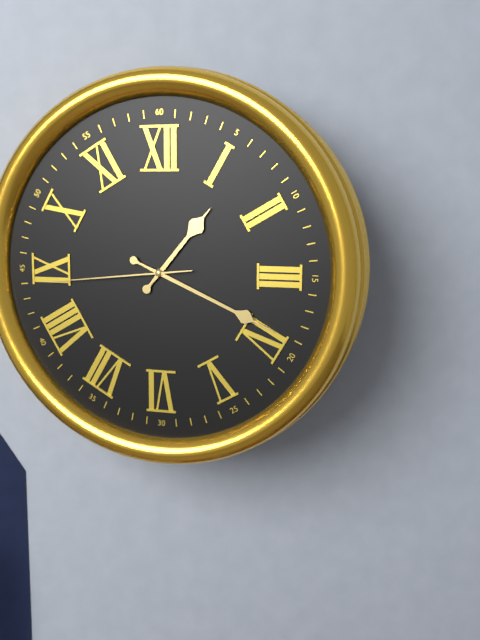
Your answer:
{"hour": 1, "minute": 19, "second": 44}
